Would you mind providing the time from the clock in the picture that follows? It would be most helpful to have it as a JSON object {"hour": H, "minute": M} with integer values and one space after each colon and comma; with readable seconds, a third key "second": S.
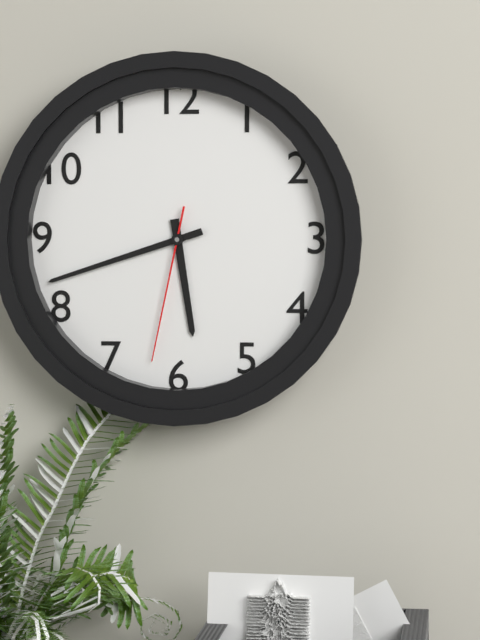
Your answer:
{"hour": 5, "minute": 42, "second": 32}
